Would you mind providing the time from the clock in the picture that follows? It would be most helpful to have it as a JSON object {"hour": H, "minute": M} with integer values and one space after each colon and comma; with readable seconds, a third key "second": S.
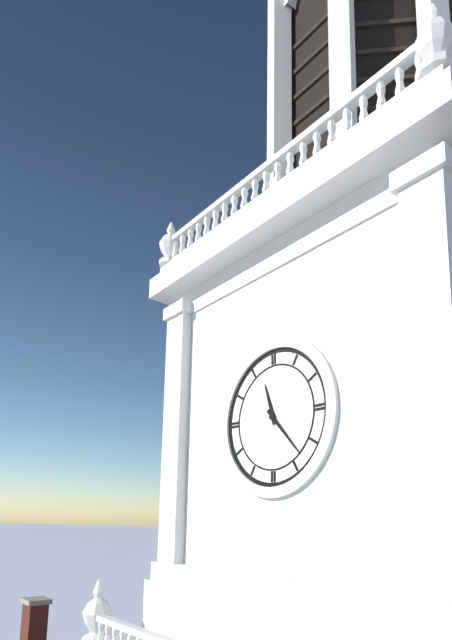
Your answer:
{"hour": 11, "minute": 23}
